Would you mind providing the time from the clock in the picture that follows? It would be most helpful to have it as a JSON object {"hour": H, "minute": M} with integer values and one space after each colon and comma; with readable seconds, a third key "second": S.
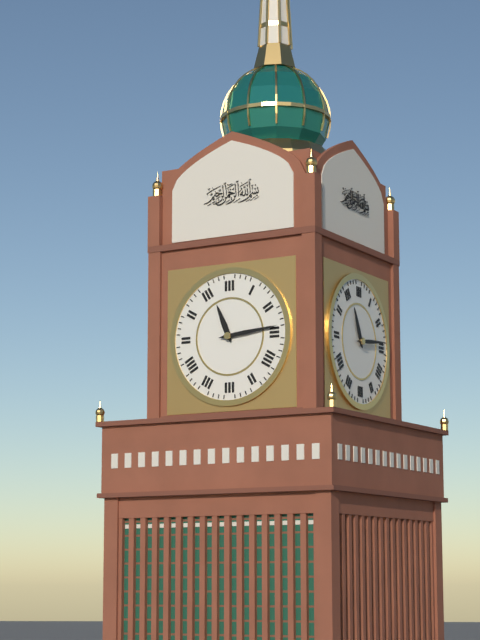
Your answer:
{"hour": 11, "minute": 14}
